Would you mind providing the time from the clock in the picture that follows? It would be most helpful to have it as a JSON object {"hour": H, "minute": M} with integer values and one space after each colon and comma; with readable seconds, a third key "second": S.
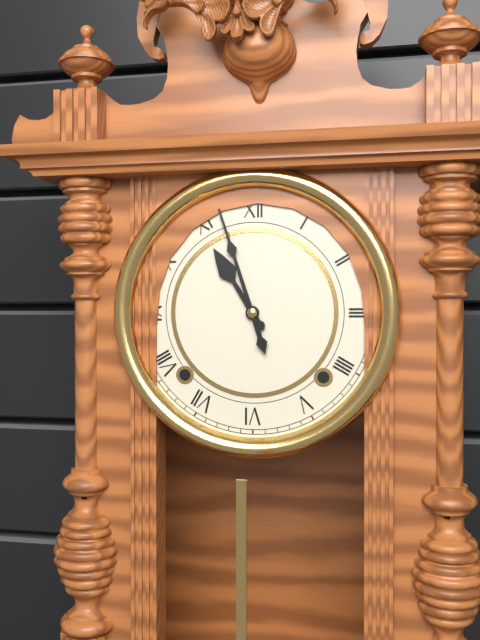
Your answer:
{"hour": 10, "minute": 57}
